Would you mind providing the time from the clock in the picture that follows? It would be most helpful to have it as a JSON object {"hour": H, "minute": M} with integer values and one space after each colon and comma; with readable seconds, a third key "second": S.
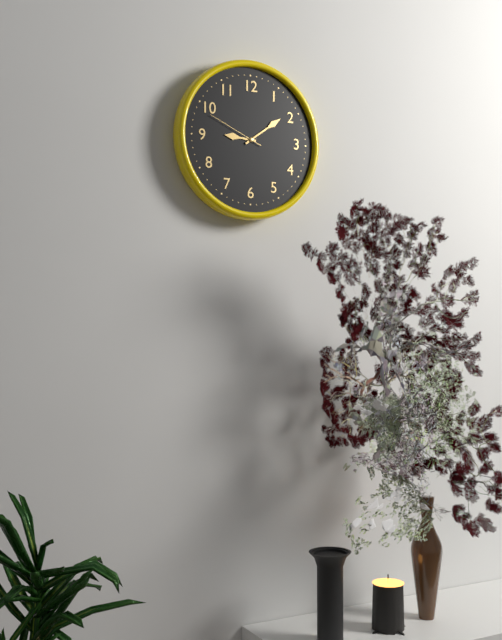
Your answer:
{"hour": 9, "minute": 9, "second": 49}
